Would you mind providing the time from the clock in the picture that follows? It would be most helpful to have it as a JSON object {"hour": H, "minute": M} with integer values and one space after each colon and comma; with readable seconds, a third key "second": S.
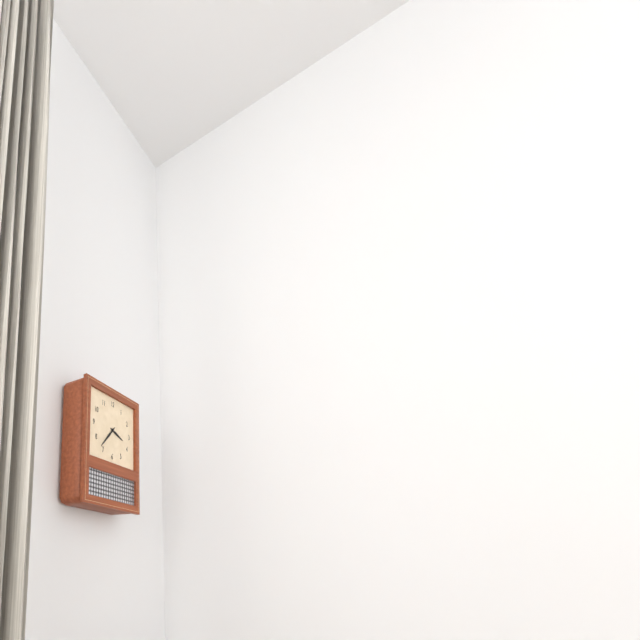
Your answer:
{"hour": 3, "minute": 37}
